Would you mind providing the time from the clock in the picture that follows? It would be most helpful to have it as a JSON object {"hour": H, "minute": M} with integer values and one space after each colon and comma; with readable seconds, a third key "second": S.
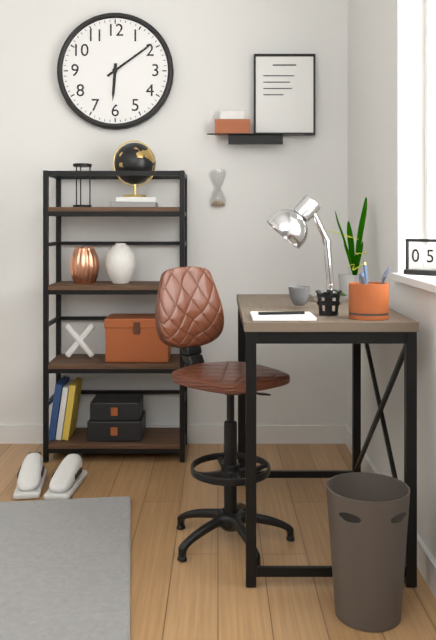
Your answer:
{"hour": 6, "minute": 9}
